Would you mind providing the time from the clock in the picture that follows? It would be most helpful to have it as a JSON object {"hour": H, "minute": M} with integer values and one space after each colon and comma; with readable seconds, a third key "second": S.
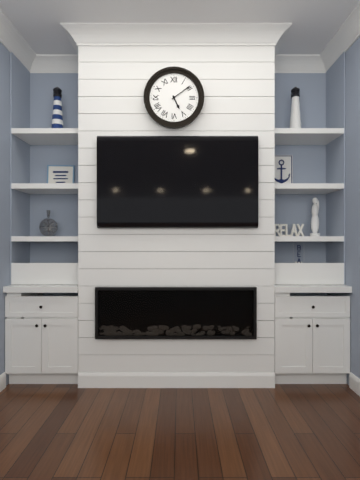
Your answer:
{"hour": 5, "minute": 9}
